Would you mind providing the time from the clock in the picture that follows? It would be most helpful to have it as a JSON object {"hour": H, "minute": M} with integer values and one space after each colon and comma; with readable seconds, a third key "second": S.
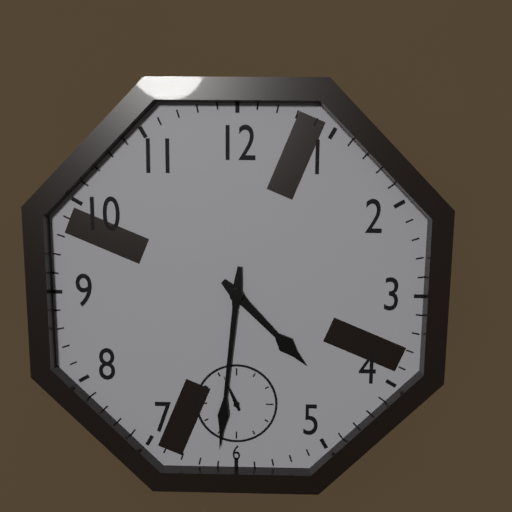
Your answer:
{"hour": 4, "minute": 31}
